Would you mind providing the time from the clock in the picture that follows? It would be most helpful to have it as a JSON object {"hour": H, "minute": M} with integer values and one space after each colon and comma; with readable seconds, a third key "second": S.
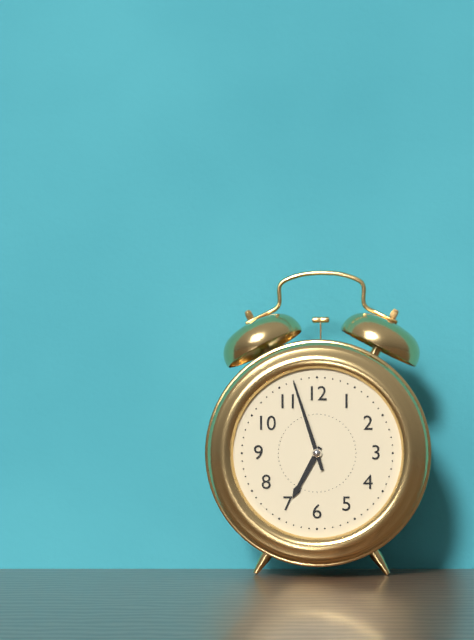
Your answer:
{"hour": 6, "minute": 57}
